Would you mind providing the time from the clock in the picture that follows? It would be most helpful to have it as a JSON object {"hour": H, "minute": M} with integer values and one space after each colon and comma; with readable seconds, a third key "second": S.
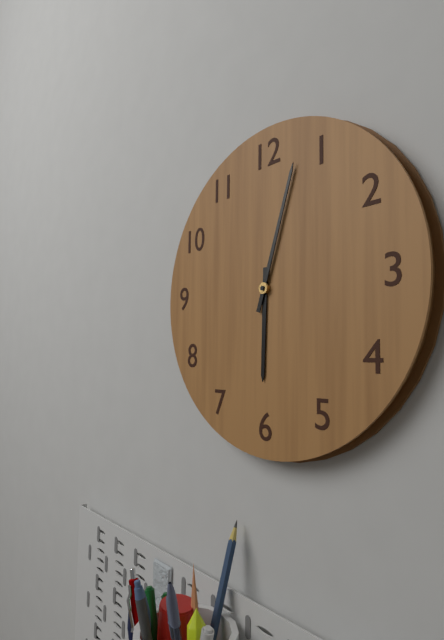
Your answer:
{"hour": 6, "minute": 3}
